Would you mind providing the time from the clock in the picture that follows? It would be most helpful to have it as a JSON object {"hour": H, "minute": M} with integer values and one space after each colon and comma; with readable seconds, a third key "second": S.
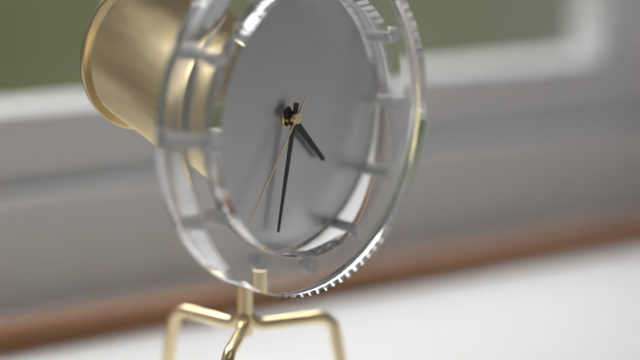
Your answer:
{"hour": 4, "minute": 32, "second": 36}
